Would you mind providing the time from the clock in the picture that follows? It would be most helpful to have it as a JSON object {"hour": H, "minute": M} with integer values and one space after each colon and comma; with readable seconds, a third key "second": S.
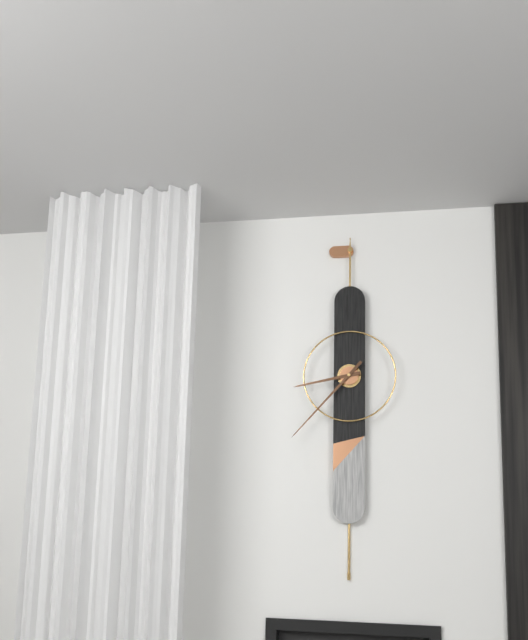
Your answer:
{"hour": 8, "minute": 37}
